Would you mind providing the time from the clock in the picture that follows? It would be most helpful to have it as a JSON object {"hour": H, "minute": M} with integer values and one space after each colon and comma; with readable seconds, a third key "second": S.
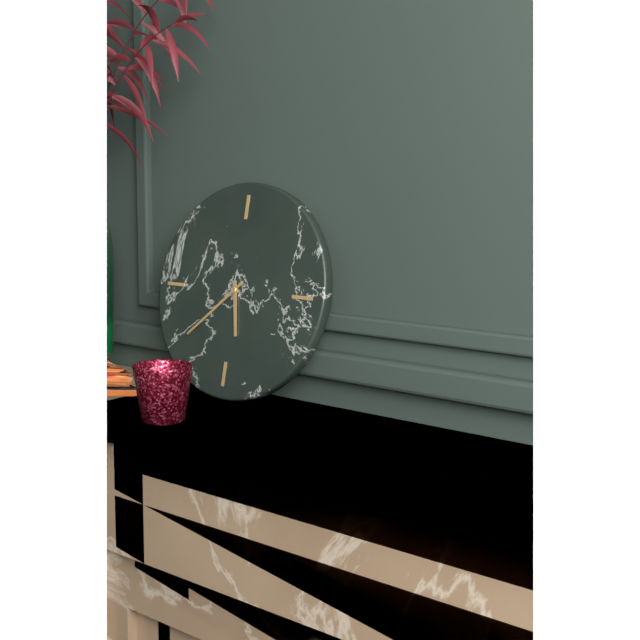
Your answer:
{"hour": 5, "minute": 38}
